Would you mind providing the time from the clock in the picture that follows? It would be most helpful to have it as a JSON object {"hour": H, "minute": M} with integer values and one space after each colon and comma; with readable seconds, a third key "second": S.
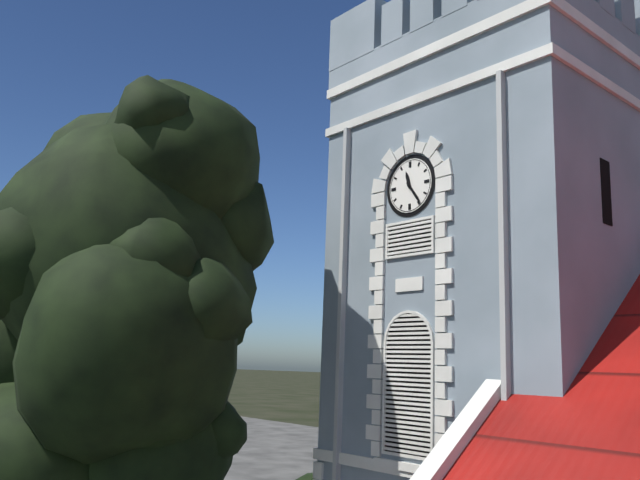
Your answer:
{"hour": 11, "minute": 24}
